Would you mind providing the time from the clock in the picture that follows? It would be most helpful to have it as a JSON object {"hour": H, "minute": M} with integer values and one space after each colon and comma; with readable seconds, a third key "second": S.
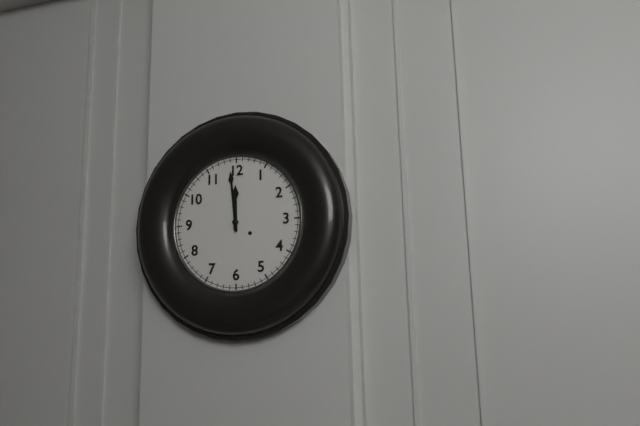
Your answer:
{"hour": 11, "minute": 59}
